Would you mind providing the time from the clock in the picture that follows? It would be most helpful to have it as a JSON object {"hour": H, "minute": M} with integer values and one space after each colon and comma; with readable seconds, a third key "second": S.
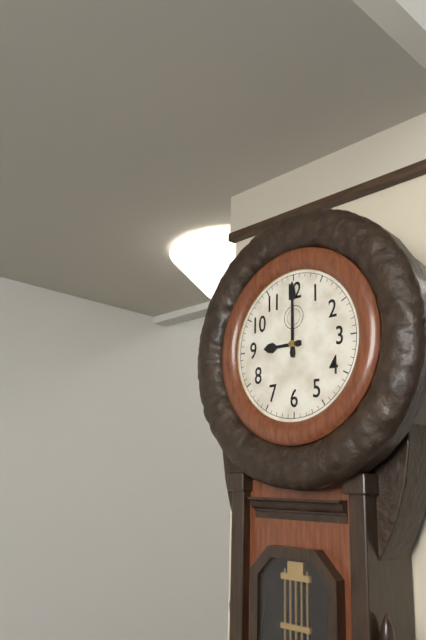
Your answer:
{"hour": 9, "minute": 0}
